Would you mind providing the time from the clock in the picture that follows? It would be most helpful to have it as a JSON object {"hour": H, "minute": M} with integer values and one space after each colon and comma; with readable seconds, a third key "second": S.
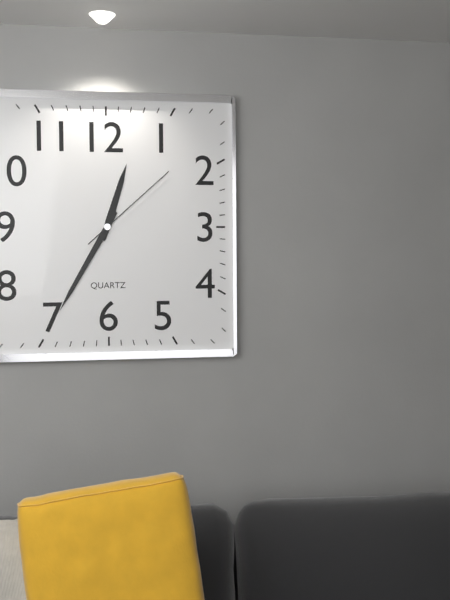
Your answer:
{"hour": 12, "minute": 35, "second": 8}
